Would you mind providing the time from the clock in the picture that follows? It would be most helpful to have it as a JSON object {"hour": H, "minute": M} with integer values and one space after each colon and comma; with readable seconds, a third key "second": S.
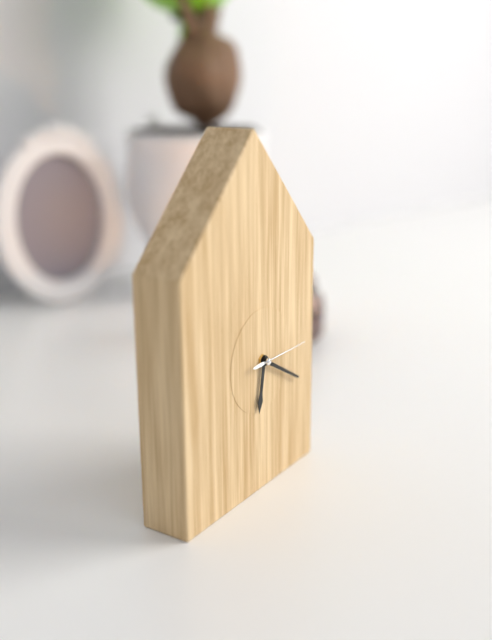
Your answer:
{"hour": 6, "minute": 20, "second": 15}
